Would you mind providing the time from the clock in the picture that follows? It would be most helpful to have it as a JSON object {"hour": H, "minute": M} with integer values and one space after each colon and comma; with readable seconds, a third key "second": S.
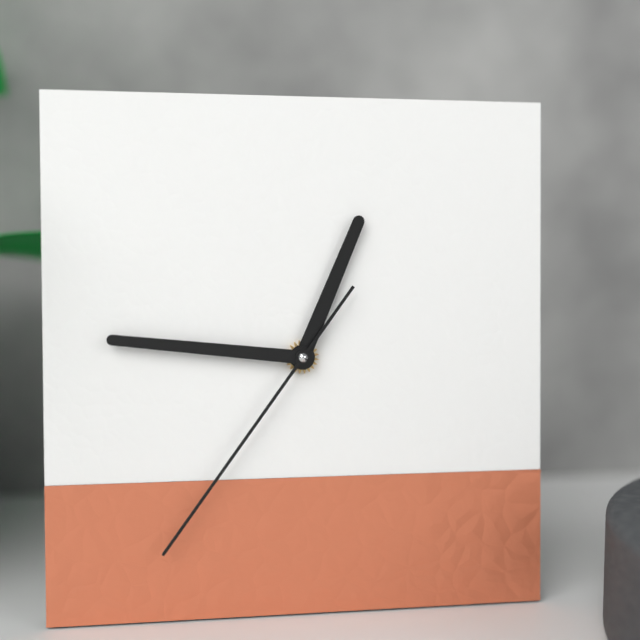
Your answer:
{"hour": 12, "minute": 46, "second": 36}
